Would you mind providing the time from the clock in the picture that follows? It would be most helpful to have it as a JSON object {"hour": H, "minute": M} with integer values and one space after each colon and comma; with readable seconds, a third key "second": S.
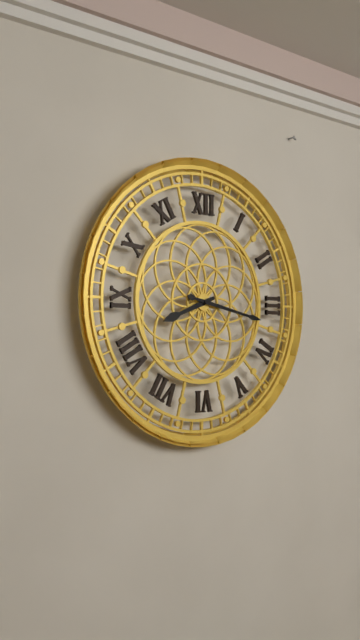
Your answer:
{"hour": 8, "minute": 17}
